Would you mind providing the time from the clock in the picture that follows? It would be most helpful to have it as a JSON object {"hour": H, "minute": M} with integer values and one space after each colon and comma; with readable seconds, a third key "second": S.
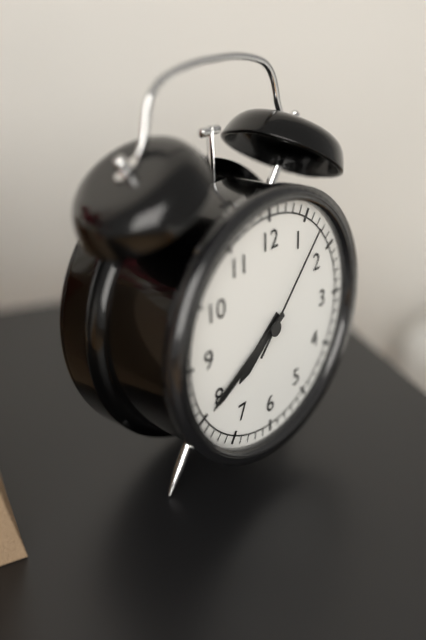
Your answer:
{"hour": 7, "minute": 40, "second": 7}
